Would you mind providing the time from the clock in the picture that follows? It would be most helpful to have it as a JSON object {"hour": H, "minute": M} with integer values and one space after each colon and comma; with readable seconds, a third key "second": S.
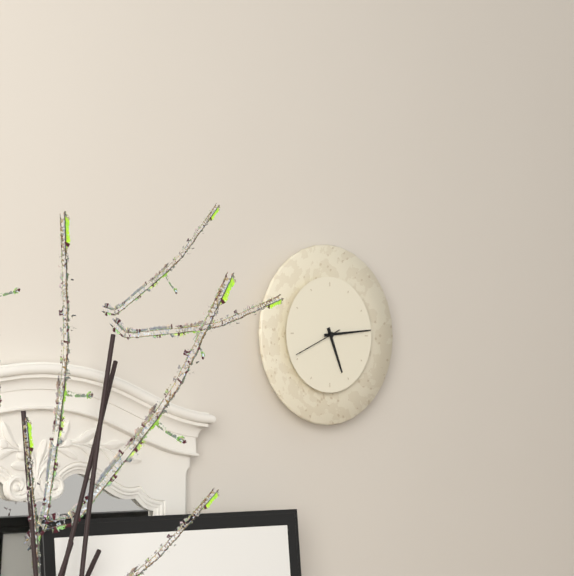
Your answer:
{"hour": 5, "minute": 14, "second": 41}
